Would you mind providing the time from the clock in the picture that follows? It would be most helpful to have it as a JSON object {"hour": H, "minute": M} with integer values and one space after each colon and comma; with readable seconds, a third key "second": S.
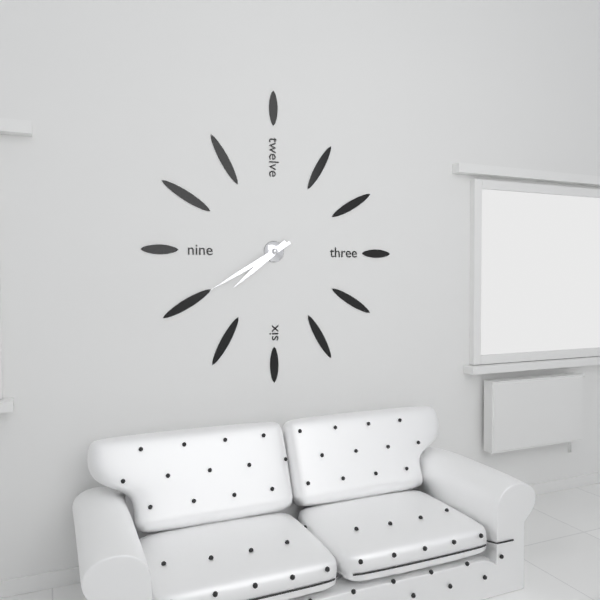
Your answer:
{"hour": 7, "minute": 40}
